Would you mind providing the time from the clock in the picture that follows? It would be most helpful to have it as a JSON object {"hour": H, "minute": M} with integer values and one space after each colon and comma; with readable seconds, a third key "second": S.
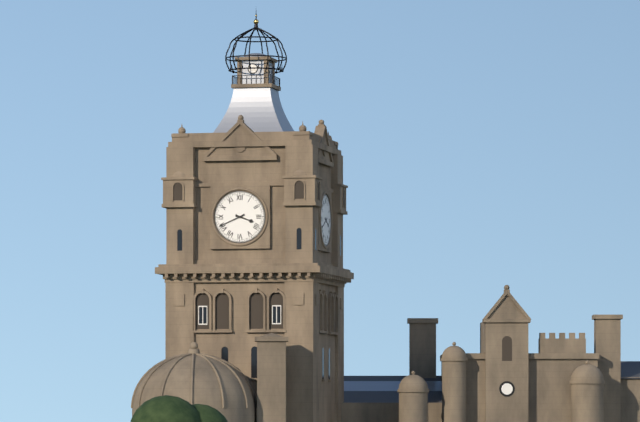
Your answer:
{"hour": 3, "minute": 41}
